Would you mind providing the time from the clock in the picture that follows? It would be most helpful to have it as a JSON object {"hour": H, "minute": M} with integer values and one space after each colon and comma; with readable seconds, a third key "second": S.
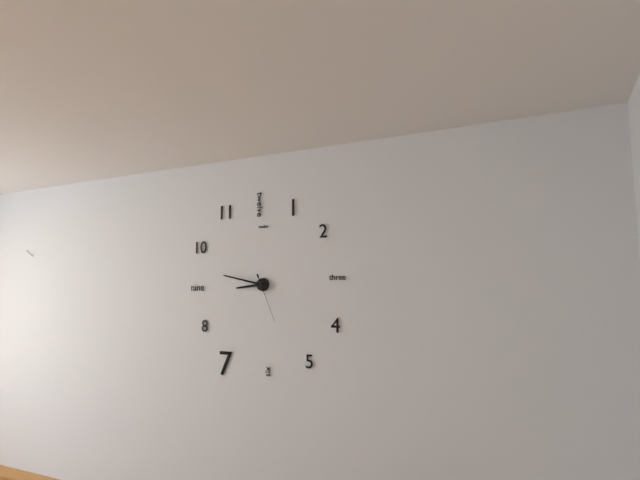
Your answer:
{"hour": 8, "minute": 47}
